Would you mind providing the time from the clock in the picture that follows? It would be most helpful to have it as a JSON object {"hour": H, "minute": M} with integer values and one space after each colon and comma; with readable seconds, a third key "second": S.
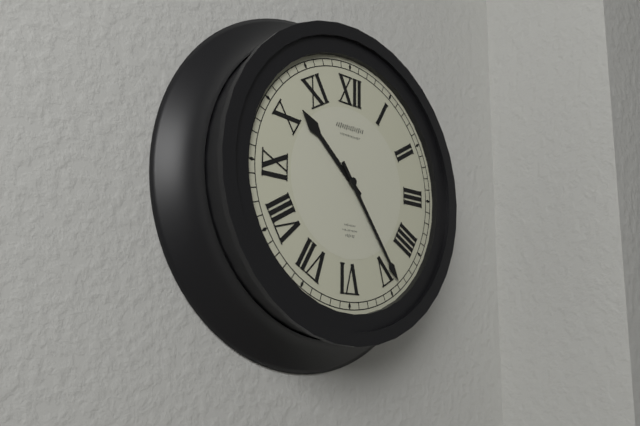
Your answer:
{"hour": 10, "minute": 24}
